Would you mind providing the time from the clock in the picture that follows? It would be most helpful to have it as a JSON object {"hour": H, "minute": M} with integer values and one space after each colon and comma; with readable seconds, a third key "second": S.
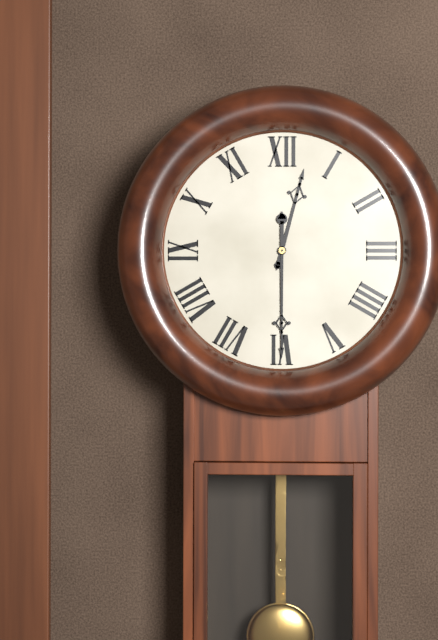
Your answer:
{"hour": 12, "minute": 30}
